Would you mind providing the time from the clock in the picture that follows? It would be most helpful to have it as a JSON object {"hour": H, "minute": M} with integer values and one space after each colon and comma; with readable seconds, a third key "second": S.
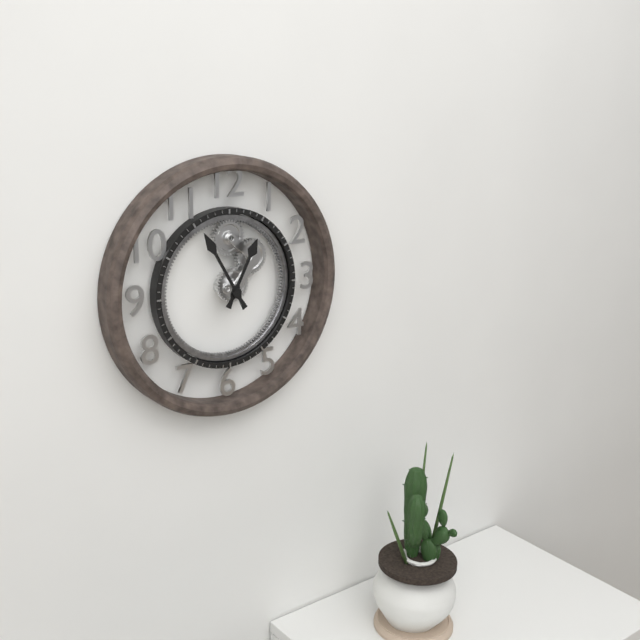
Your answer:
{"hour": 12, "minute": 55}
